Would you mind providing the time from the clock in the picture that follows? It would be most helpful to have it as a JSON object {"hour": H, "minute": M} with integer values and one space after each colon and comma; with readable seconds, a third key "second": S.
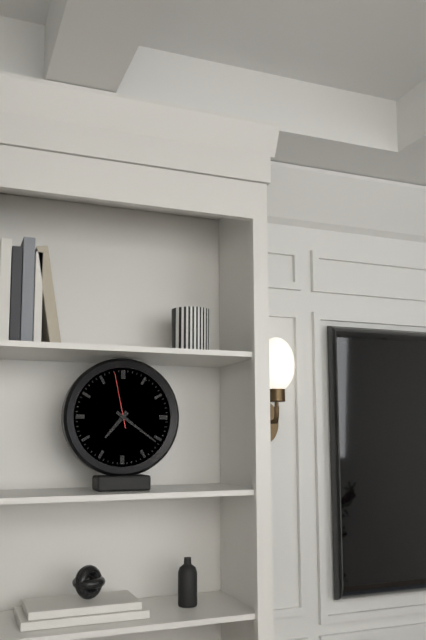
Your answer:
{"hour": 7, "minute": 21, "second": 58}
